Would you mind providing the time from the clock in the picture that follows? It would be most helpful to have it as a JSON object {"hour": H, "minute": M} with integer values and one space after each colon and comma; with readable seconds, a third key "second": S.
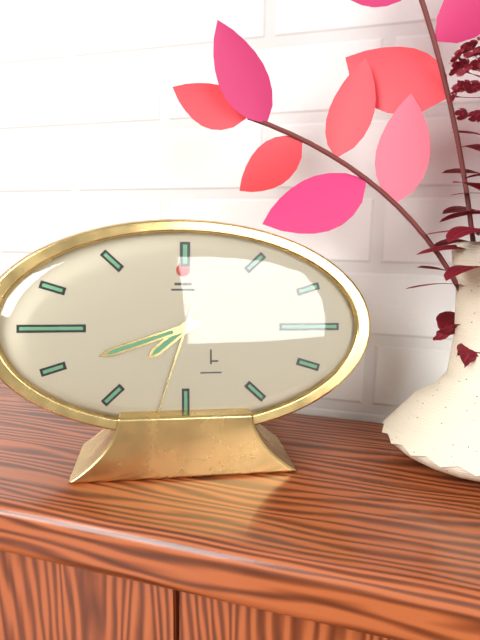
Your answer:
{"hour": 7, "minute": 42, "second": 33}
